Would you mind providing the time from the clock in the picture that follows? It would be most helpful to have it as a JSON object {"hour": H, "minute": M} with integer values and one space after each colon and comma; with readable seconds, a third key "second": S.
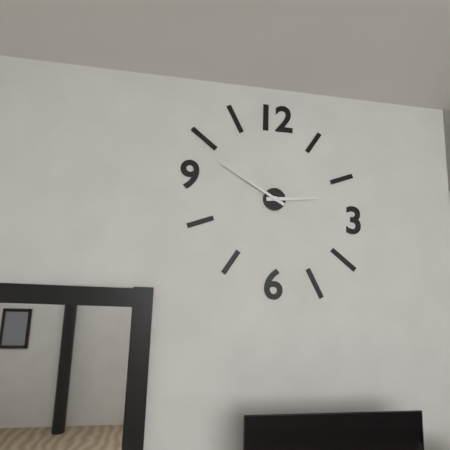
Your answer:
{"hour": 2, "minute": 50}
